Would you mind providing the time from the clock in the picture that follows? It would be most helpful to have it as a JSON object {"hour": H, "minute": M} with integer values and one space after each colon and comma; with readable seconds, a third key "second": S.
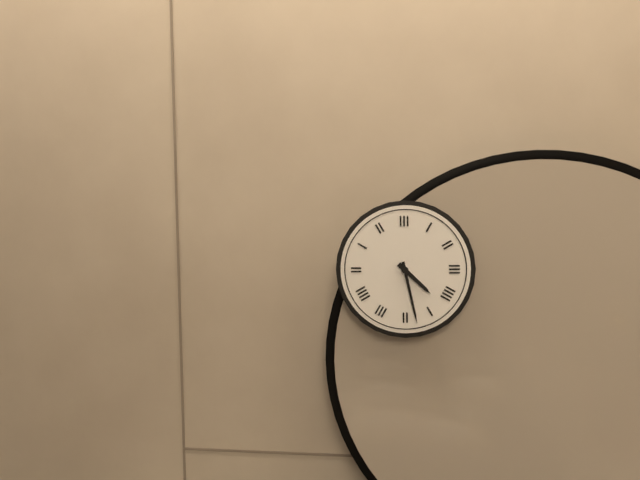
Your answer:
{"hour": 4, "minute": 28}
